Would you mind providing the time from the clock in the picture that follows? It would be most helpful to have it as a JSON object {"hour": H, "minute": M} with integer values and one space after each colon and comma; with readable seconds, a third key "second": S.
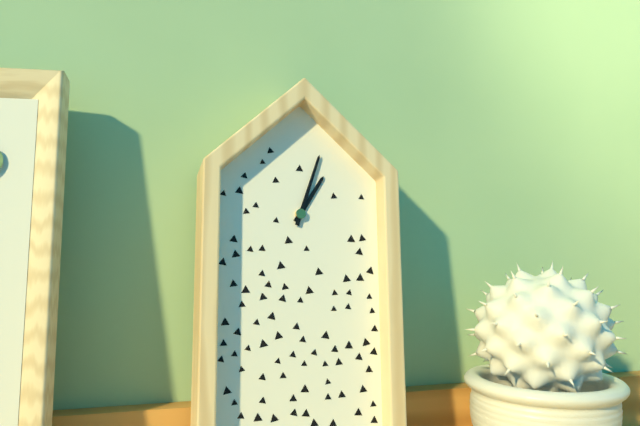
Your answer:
{"hour": 1, "minute": 3}
